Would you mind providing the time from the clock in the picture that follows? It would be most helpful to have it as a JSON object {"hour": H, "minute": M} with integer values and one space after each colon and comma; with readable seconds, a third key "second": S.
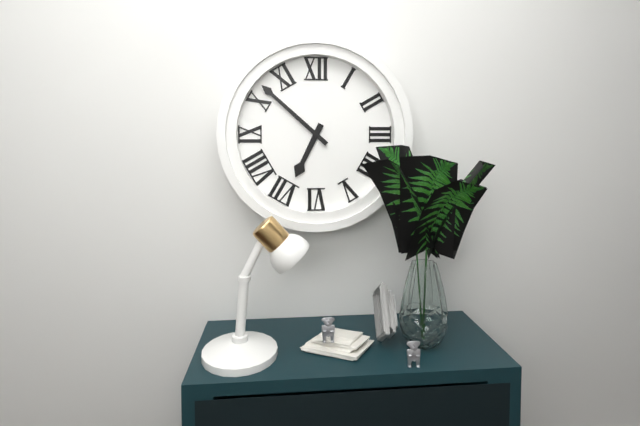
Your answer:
{"hour": 6, "minute": 52}
